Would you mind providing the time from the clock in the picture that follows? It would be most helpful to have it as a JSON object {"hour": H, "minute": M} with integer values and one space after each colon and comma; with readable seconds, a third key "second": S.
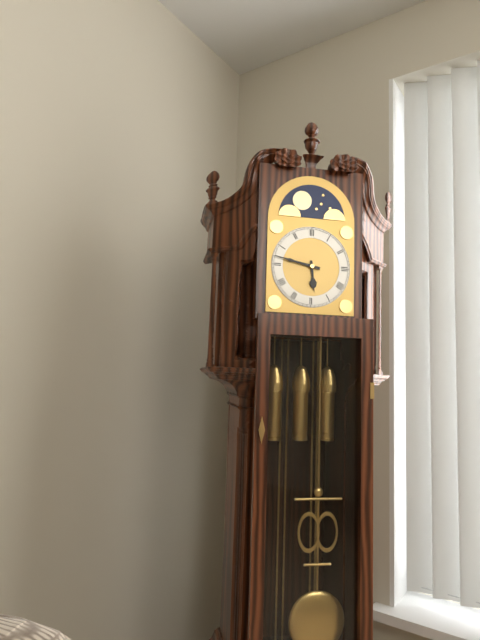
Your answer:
{"hour": 5, "minute": 47}
